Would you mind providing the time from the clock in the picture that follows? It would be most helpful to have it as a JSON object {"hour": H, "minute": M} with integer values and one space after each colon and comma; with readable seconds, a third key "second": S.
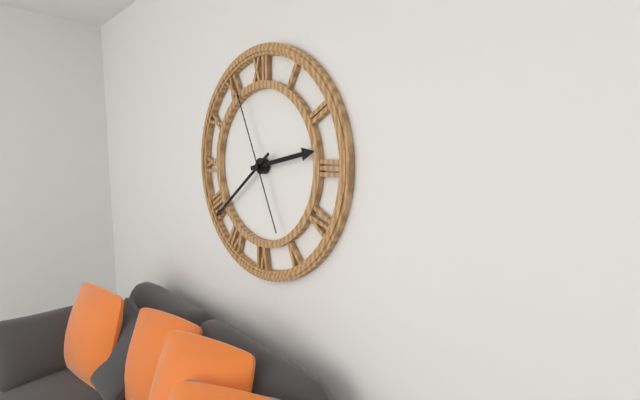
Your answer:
{"hour": 2, "minute": 39, "second": 56}
